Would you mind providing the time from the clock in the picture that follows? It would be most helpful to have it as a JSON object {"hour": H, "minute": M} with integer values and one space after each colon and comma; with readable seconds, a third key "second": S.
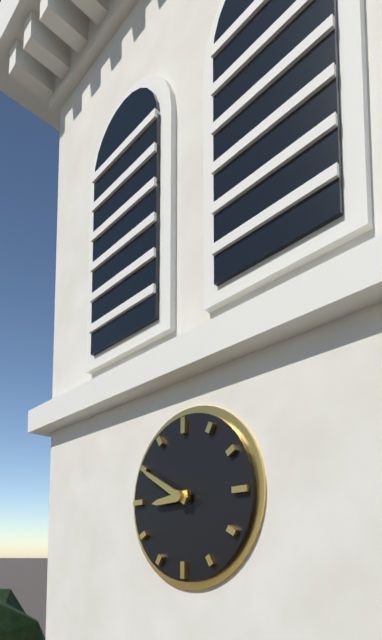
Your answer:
{"hour": 8, "minute": 50}
